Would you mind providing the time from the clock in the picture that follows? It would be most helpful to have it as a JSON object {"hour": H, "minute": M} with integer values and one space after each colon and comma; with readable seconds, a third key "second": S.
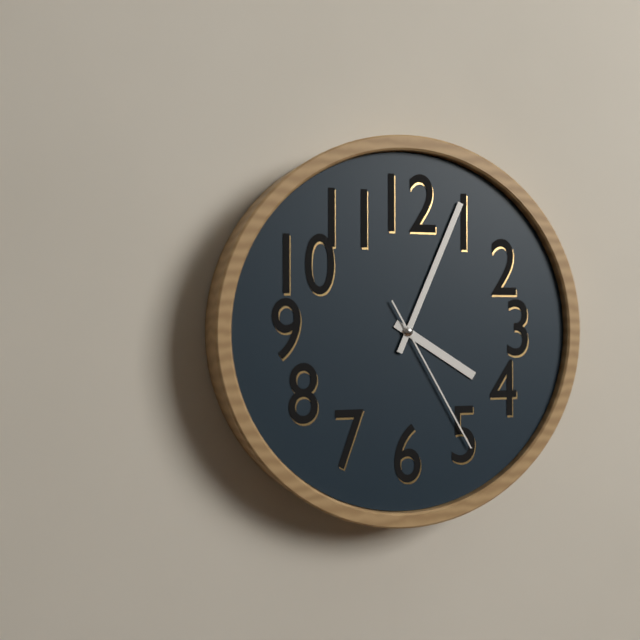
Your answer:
{"hour": 4, "minute": 4, "second": 25}
